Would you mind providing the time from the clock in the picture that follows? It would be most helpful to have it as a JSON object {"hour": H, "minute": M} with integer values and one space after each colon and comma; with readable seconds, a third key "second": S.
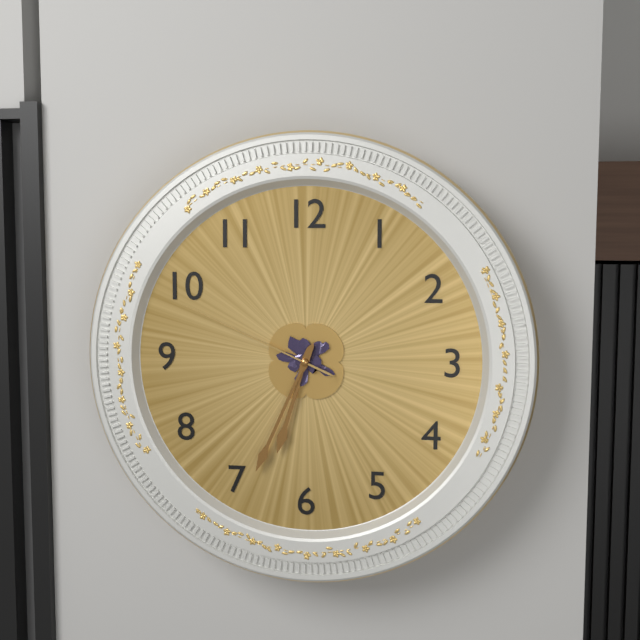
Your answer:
{"hour": 6, "minute": 34, "second": 49}
